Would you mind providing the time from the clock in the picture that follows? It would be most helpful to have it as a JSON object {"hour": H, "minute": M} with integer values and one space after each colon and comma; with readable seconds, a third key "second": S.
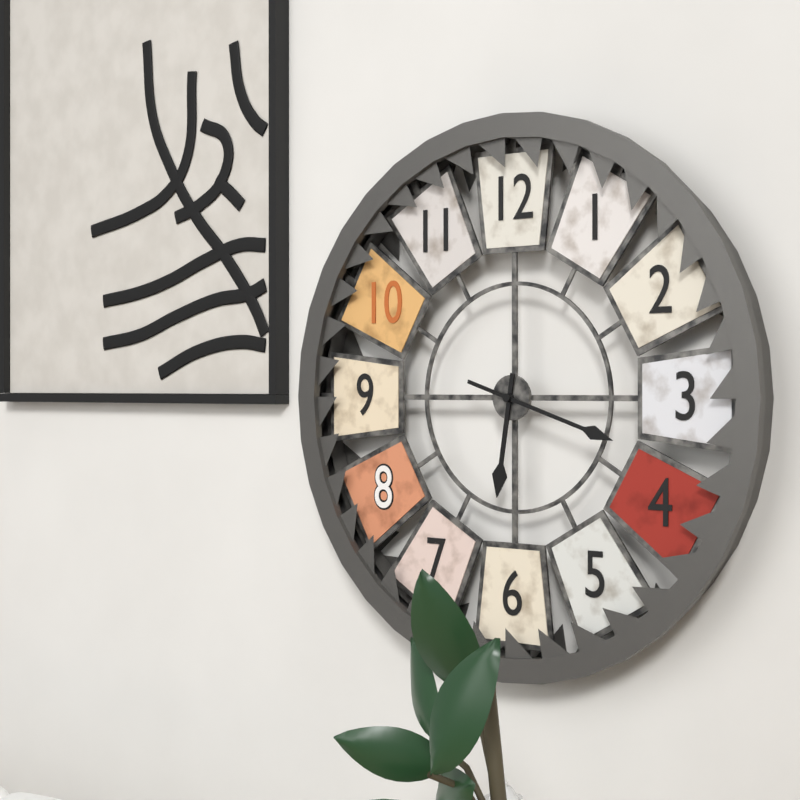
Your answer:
{"hour": 6, "minute": 18}
